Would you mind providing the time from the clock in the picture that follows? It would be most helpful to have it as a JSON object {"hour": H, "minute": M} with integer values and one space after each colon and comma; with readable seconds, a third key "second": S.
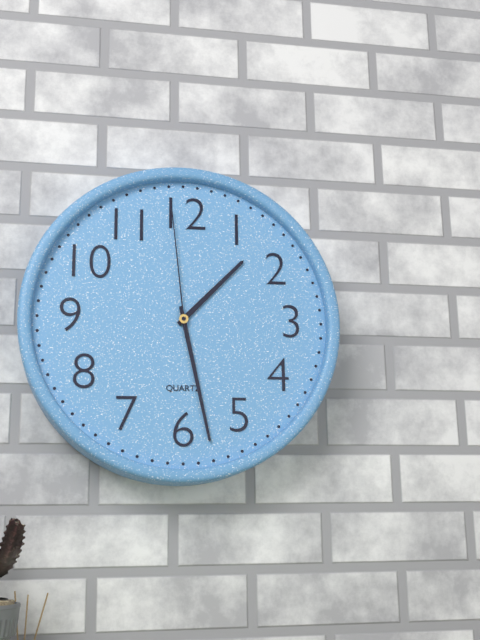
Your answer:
{"hour": 1, "minute": 28, "second": 59}
